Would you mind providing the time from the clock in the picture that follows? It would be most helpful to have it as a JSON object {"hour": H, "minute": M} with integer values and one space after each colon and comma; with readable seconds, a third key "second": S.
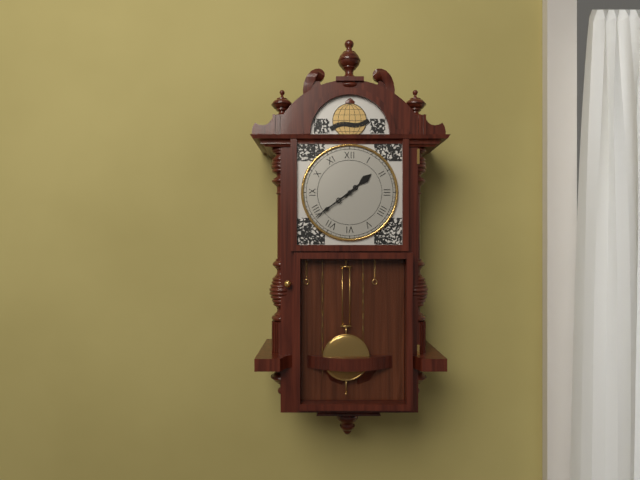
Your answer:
{"hour": 1, "minute": 39}
